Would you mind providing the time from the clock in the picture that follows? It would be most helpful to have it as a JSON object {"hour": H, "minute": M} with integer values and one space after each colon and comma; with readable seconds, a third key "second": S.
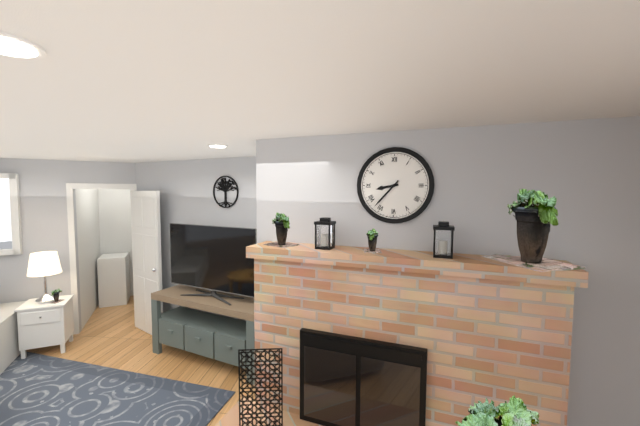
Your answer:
{"hour": 8, "minute": 37}
